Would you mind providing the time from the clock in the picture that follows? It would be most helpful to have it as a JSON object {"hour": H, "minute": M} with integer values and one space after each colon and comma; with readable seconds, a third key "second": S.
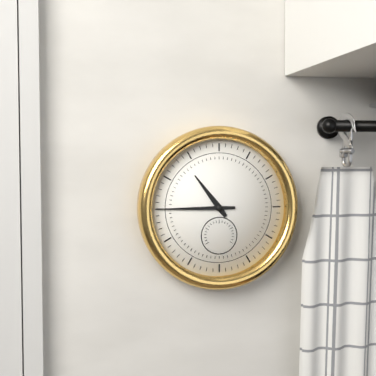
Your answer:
{"hour": 10, "minute": 45}
